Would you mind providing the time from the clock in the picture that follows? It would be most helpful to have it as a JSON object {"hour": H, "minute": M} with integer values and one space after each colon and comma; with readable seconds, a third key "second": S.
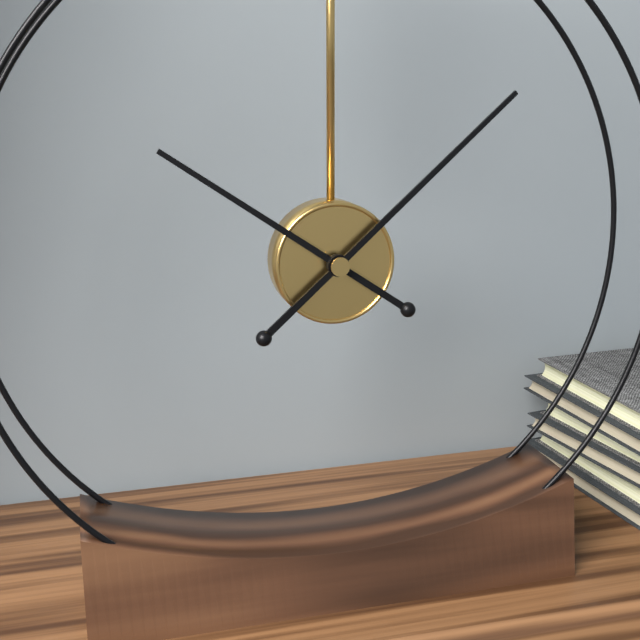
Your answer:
{"hour": 10, "minute": 8}
